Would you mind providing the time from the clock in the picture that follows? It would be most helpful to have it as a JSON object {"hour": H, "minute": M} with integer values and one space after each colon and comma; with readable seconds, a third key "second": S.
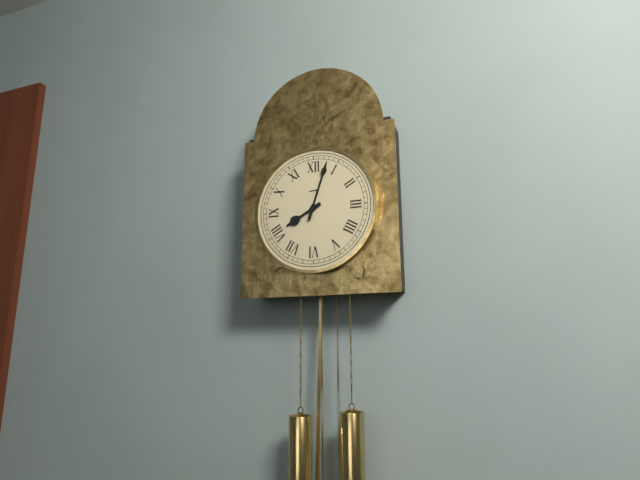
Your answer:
{"hour": 8, "minute": 3}
